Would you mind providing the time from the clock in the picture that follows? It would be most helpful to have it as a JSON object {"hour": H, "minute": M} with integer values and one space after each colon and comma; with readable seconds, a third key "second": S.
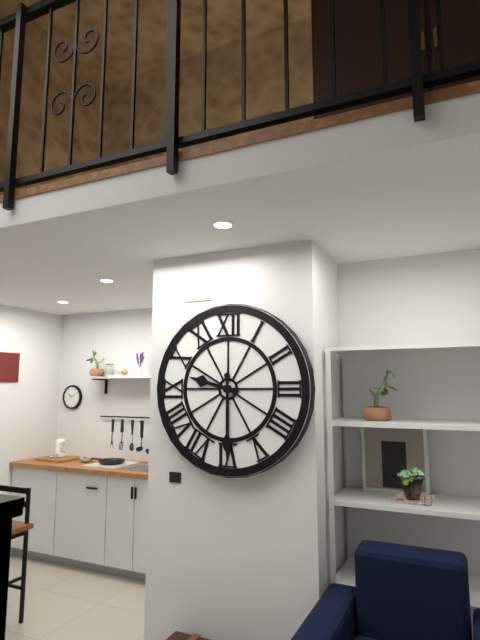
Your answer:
{"hour": 9, "minute": 30}
